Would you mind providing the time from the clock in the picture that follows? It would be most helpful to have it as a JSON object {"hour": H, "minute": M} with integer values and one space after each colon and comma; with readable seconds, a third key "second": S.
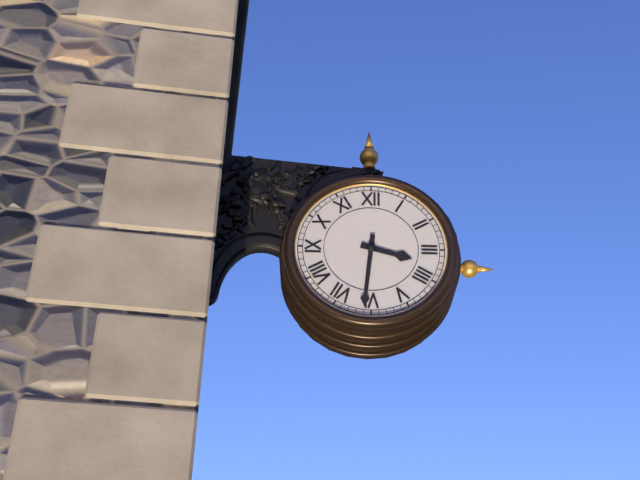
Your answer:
{"hour": 3, "minute": 31}
